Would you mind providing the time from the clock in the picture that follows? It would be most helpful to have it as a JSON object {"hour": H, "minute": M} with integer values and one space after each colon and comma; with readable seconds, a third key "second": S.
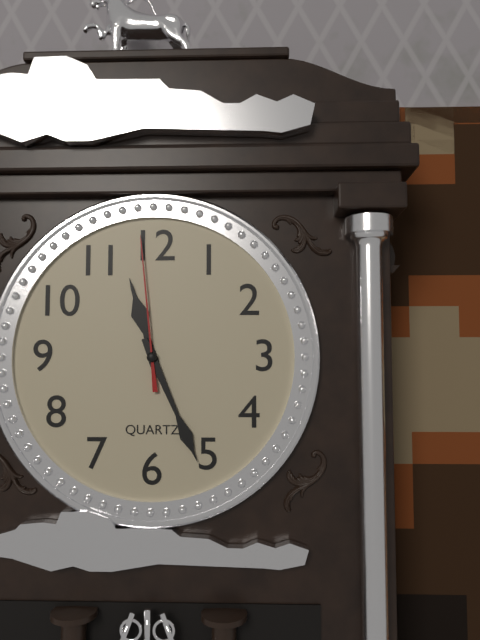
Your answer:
{"hour": 11, "minute": 26, "second": 59}
